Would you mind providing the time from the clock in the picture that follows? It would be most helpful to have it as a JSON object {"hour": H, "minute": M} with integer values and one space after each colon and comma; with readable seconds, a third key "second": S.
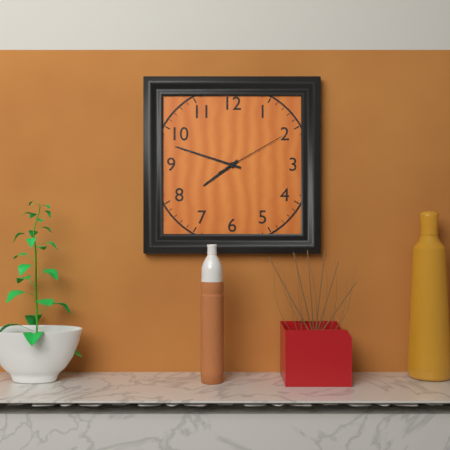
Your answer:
{"hour": 7, "minute": 48, "second": 10}
